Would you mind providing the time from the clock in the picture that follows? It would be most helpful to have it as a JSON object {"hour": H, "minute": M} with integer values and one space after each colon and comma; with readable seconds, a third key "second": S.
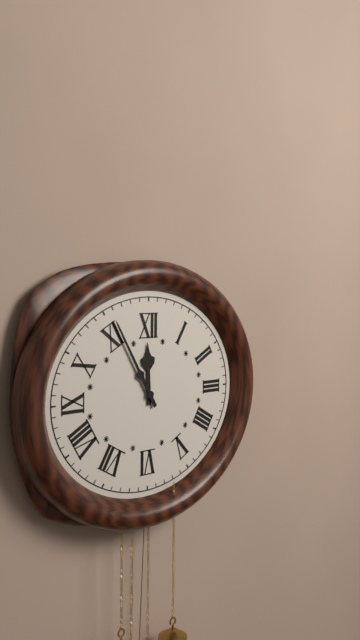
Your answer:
{"hour": 11, "minute": 55}
